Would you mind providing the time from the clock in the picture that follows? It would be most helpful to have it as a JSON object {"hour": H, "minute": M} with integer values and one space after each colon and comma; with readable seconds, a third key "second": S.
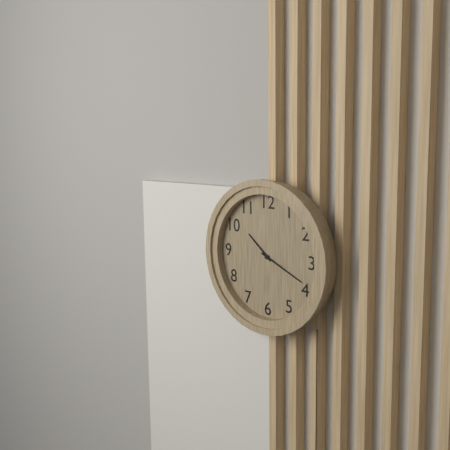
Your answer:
{"hour": 10, "minute": 19}
